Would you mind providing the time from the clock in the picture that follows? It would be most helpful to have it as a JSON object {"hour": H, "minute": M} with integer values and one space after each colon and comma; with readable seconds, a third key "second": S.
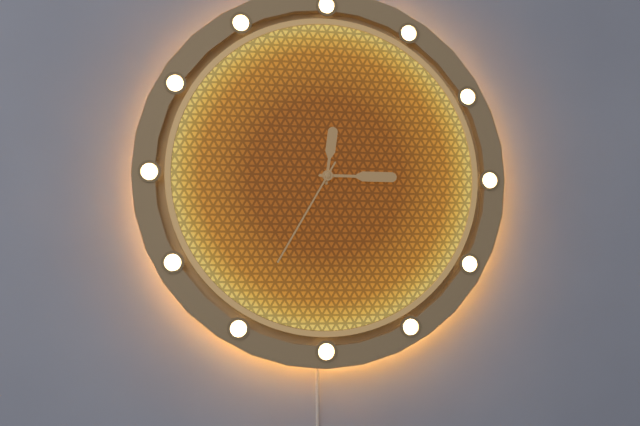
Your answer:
{"hour": 12, "minute": 15, "second": 35}
